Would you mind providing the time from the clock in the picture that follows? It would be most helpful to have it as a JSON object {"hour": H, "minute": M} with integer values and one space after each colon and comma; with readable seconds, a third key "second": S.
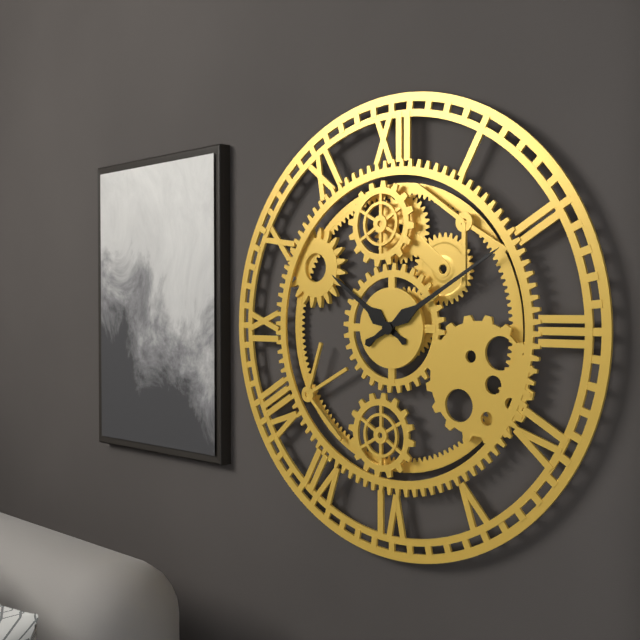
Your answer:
{"hour": 10, "minute": 10}
